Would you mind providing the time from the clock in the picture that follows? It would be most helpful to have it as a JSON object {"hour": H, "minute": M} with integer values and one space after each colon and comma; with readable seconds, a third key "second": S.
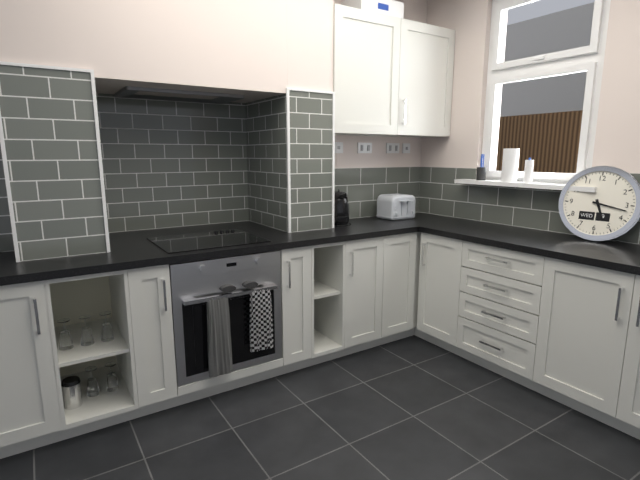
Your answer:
{"hour": 5, "minute": 17}
